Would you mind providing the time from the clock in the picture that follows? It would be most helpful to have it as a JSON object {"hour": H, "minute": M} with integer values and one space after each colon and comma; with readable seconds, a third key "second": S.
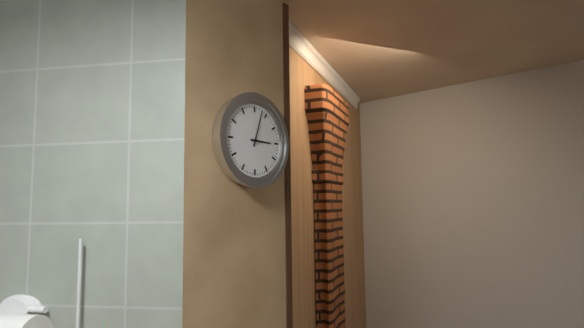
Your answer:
{"hour": 3, "minute": 3}
